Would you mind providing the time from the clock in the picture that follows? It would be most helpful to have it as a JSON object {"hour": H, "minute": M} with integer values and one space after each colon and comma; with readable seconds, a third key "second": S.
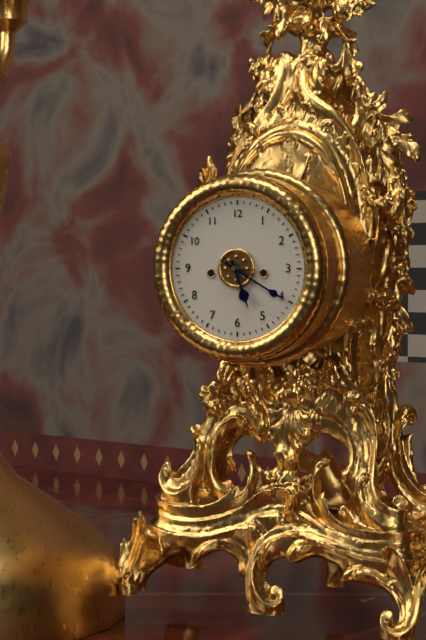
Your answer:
{"hour": 5, "minute": 20}
